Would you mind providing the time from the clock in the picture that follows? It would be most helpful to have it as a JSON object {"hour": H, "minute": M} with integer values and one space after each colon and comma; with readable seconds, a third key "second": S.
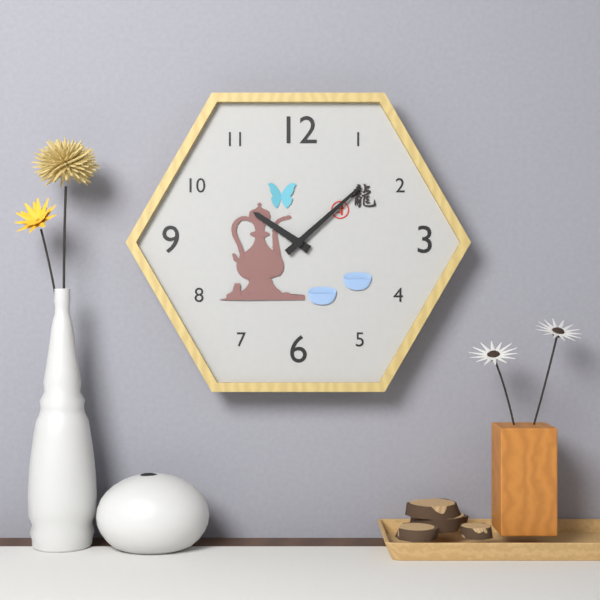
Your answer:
{"hour": 10, "minute": 8}
